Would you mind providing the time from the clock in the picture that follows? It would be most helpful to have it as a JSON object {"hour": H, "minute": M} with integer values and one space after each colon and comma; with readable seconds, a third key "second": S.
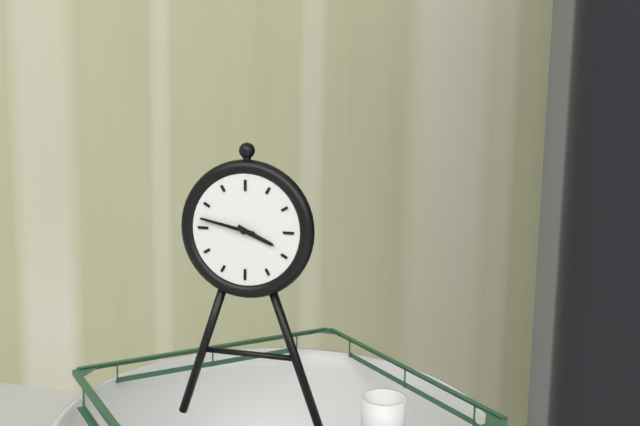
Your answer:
{"hour": 3, "minute": 47}
